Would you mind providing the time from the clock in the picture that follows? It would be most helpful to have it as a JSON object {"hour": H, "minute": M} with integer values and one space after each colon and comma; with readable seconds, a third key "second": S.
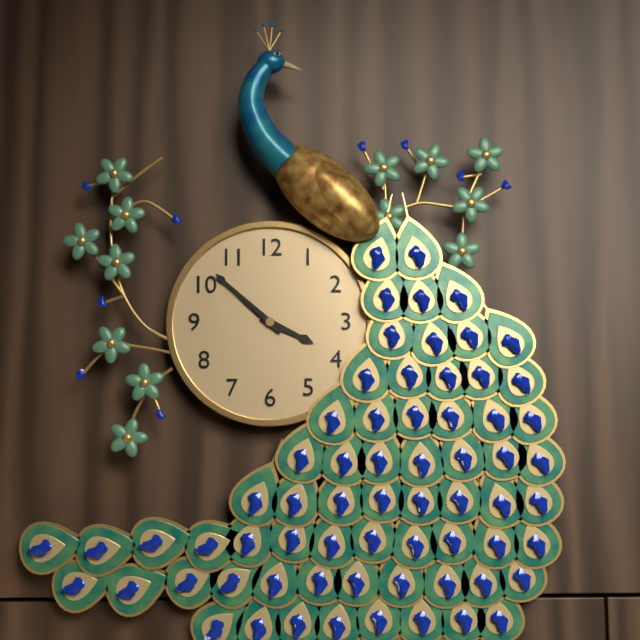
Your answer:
{"hour": 3, "minute": 52}
